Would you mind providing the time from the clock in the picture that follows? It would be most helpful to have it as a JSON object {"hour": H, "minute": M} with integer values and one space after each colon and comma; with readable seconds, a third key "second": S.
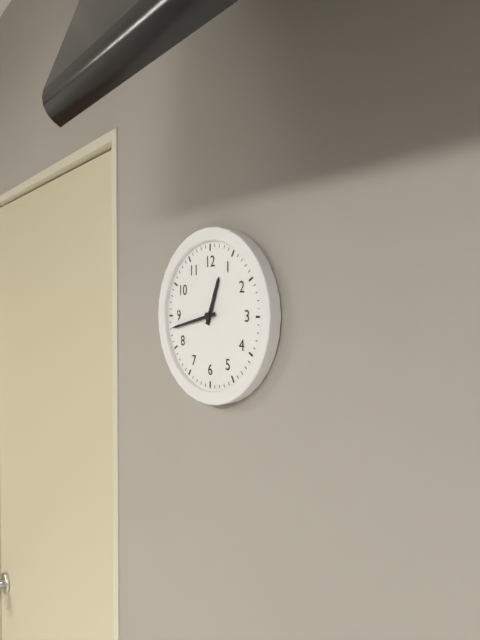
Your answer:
{"hour": 12, "minute": 43}
